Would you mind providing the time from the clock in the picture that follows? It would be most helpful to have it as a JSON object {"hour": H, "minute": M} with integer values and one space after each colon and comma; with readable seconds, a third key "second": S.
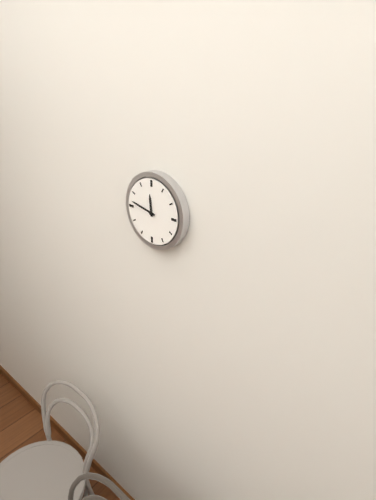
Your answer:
{"hour": 11, "minute": 47}
